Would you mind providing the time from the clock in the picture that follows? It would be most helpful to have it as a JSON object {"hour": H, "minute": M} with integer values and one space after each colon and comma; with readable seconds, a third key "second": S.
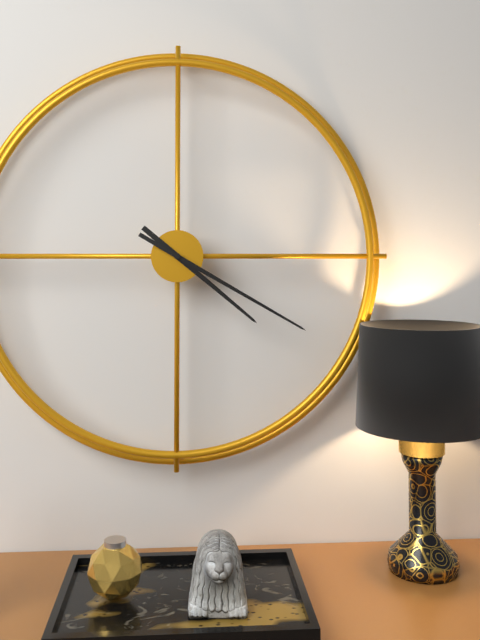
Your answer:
{"hour": 4, "minute": 20}
